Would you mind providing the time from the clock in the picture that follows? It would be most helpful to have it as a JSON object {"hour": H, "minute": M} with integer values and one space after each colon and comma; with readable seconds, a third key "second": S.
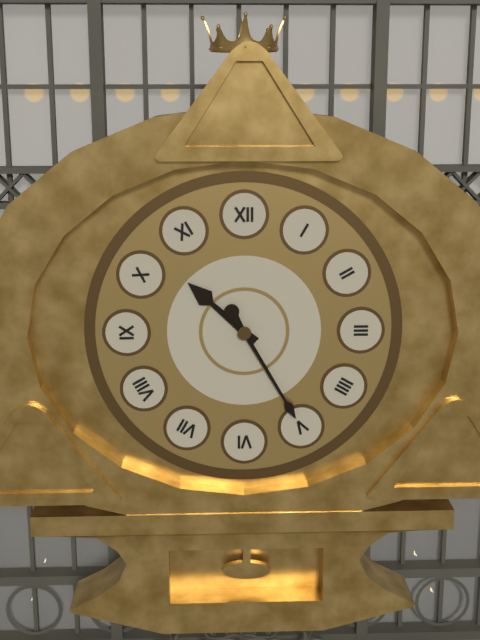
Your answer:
{"hour": 10, "minute": 25}
